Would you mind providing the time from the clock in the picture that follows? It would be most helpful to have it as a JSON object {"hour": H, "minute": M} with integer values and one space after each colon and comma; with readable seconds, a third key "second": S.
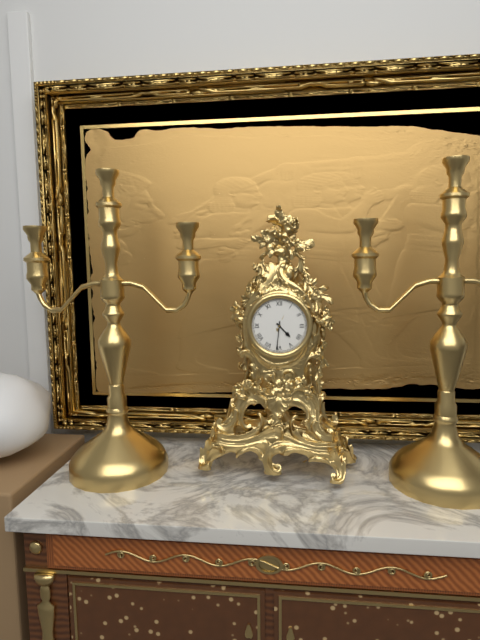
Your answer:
{"hour": 4, "minute": 31}
